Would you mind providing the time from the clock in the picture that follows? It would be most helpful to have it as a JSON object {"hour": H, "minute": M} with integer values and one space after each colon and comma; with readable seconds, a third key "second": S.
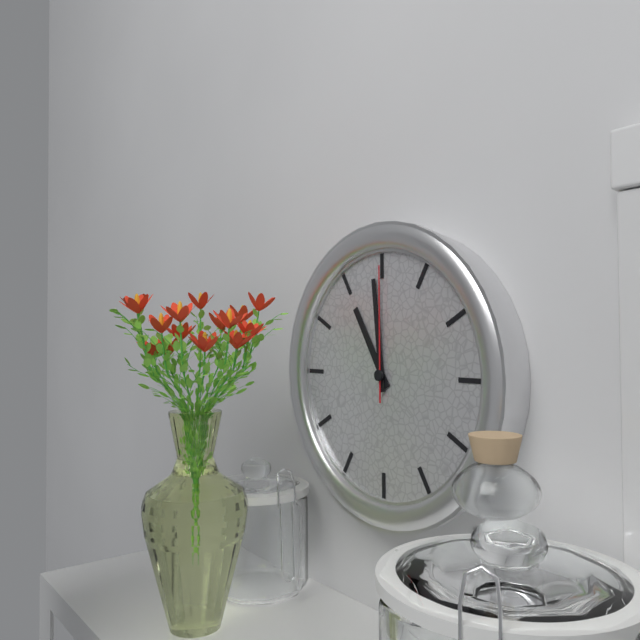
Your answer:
{"hour": 10, "minute": 59, "second": 0}
